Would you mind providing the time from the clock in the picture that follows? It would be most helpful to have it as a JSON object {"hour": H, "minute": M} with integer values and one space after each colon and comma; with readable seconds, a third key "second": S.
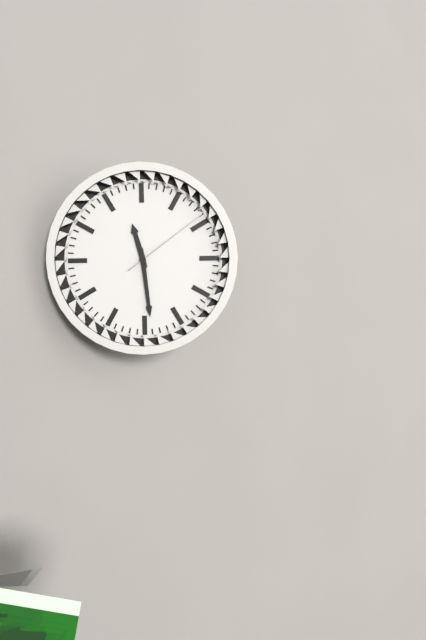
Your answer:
{"hour": 11, "minute": 29, "second": 9}
